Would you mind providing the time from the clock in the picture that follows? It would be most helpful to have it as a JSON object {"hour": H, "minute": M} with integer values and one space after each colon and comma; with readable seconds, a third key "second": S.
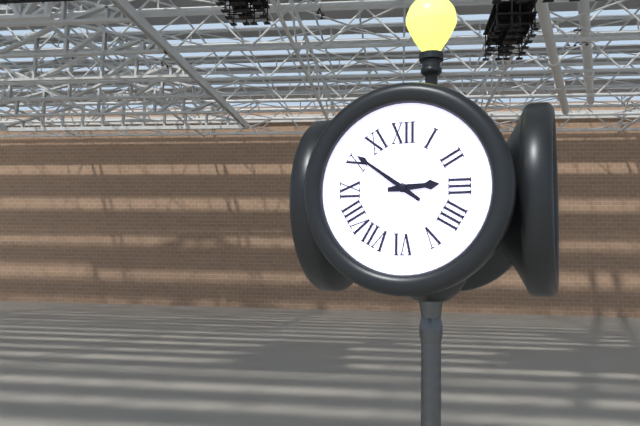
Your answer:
{"hour": 2, "minute": 51}
